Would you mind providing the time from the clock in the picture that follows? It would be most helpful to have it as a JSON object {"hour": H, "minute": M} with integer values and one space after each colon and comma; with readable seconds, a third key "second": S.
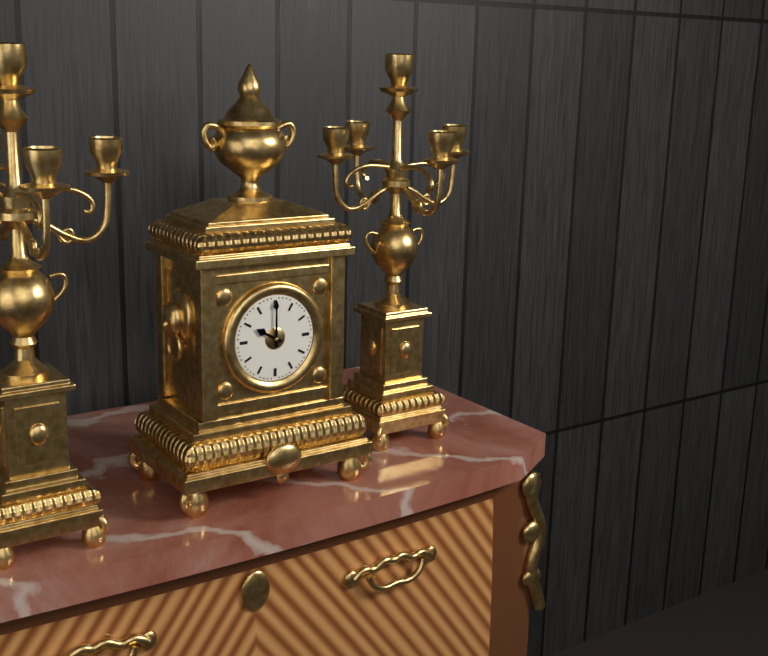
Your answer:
{"hour": 10, "minute": 0}
